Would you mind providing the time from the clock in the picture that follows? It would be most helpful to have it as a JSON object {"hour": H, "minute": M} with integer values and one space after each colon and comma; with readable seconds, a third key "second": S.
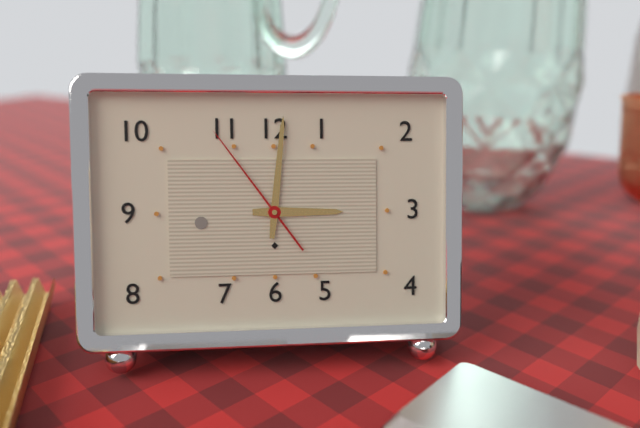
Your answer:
{"hour": 3, "minute": 1, "second": 54}
